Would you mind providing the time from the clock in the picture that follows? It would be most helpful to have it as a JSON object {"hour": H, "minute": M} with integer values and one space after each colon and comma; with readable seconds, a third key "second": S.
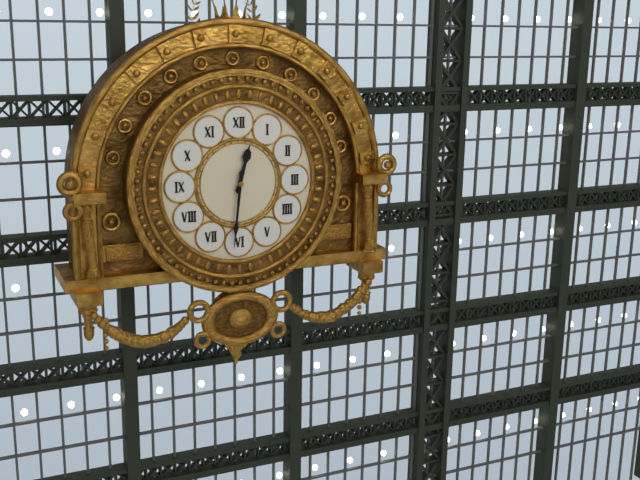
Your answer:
{"hour": 12, "minute": 31}
